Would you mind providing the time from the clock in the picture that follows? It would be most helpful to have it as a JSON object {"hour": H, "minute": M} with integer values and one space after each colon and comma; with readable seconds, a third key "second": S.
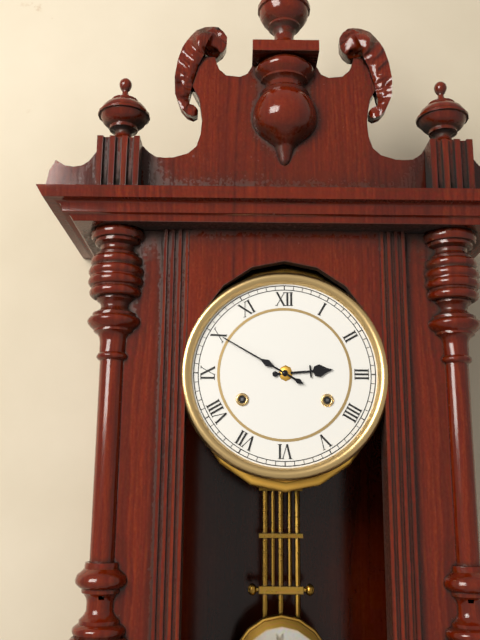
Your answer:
{"hour": 2, "minute": 50}
